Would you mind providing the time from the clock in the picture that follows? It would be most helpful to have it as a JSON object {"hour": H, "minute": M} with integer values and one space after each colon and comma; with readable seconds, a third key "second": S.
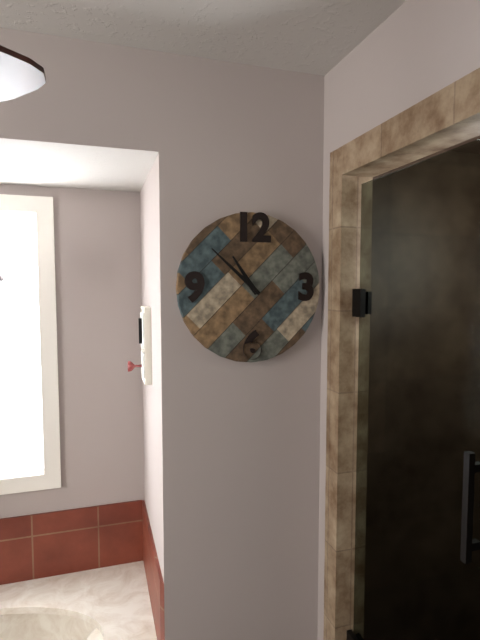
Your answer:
{"hour": 10, "minute": 52}
